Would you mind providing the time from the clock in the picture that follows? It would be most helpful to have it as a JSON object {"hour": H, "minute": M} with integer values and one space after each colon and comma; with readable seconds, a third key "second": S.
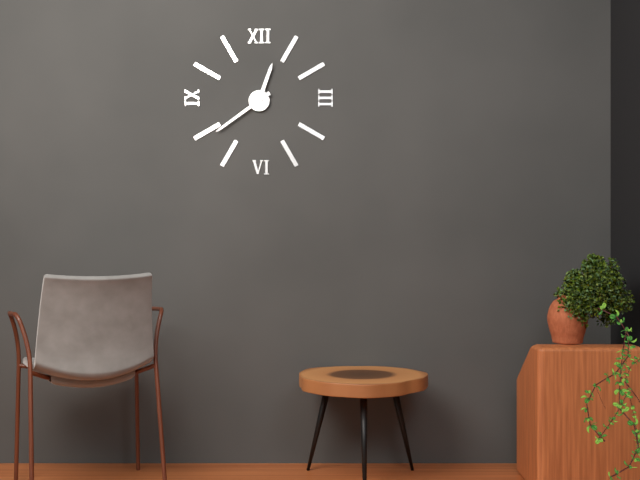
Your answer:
{"hour": 12, "minute": 39}
